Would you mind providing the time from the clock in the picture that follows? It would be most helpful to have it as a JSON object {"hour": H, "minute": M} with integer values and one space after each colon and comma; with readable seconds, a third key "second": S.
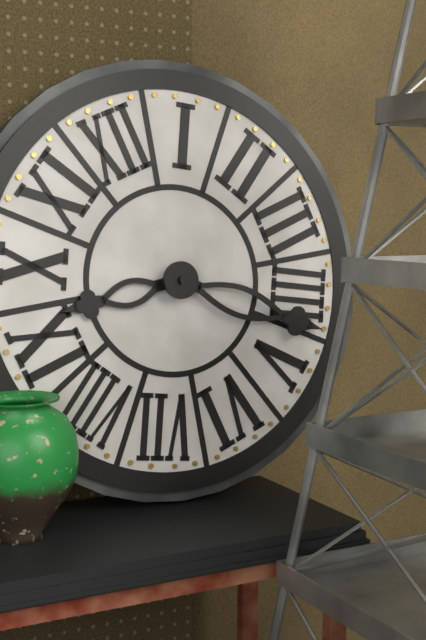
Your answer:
{"hour": 9, "minute": 22}
